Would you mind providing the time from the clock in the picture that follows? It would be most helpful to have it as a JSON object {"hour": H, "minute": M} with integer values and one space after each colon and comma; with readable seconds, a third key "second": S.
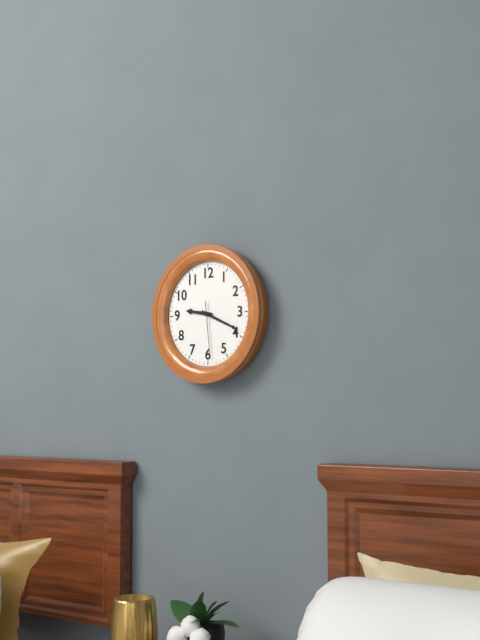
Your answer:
{"hour": 9, "minute": 19, "second": 29}
